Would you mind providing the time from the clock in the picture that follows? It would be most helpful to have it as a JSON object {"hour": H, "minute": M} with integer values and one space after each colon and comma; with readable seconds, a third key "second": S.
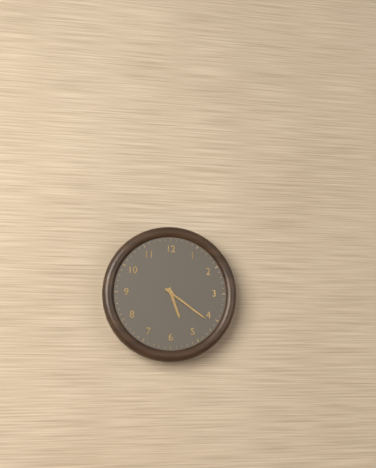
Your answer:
{"hour": 5, "minute": 21}
